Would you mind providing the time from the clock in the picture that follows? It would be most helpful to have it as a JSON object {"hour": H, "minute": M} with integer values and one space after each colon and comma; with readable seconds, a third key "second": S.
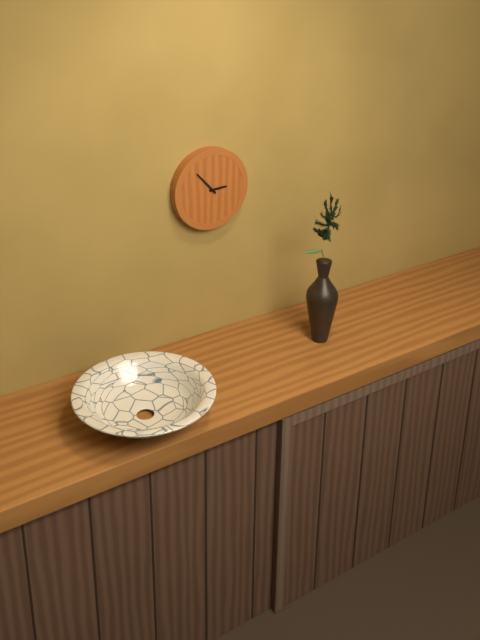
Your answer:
{"hour": 2, "minute": 53}
